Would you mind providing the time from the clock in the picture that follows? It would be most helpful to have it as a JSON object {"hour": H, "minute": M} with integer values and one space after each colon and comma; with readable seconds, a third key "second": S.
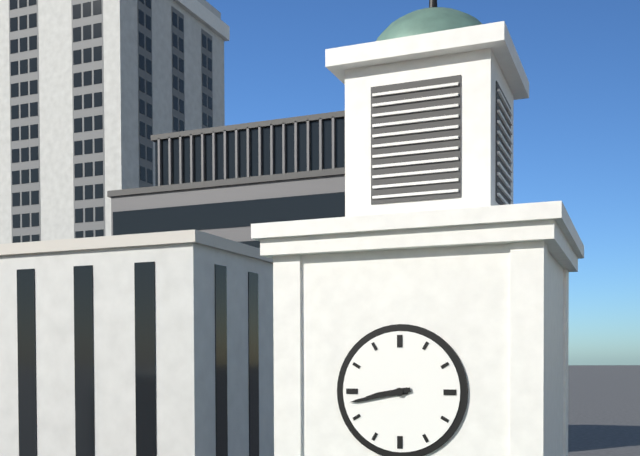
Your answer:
{"hour": 8, "minute": 43}
